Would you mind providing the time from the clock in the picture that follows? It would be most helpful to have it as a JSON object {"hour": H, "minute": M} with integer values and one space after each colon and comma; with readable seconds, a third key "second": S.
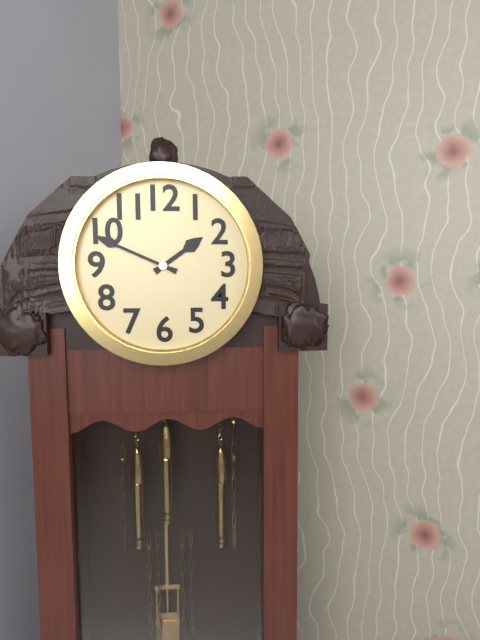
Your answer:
{"hour": 1, "minute": 49}
